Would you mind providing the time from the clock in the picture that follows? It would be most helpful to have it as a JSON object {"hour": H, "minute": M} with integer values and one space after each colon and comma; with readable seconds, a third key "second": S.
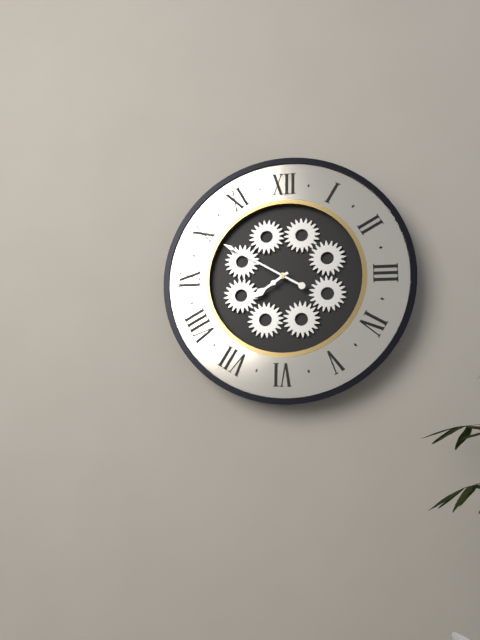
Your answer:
{"hour": 7, "minute": 50}
